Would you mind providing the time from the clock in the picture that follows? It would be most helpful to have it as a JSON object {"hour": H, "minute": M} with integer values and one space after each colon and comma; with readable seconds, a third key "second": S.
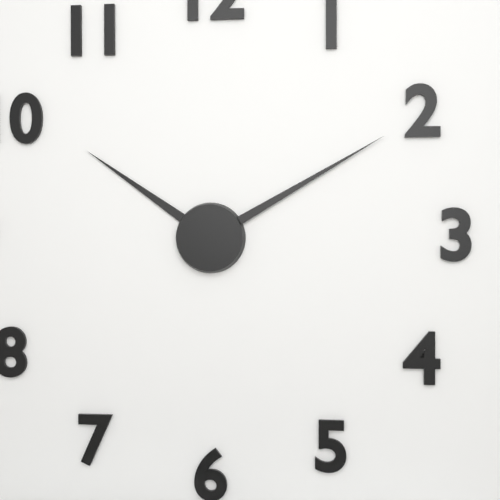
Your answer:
{"hour": 10, "minute": 10}
